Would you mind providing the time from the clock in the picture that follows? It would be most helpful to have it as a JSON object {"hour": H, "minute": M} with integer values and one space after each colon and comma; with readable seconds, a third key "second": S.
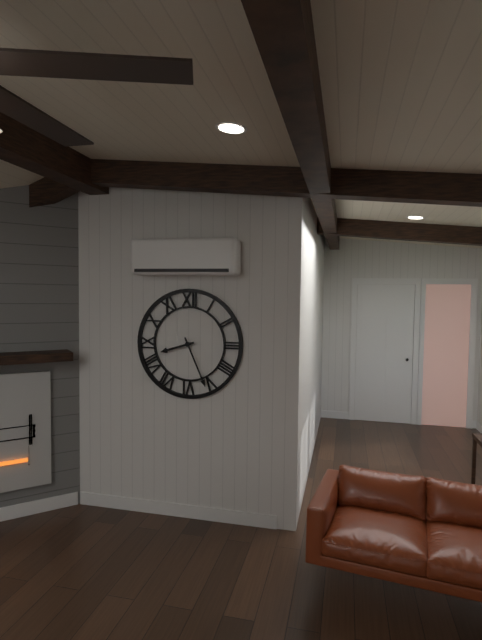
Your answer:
{"hour": 8, "minute": 26}
